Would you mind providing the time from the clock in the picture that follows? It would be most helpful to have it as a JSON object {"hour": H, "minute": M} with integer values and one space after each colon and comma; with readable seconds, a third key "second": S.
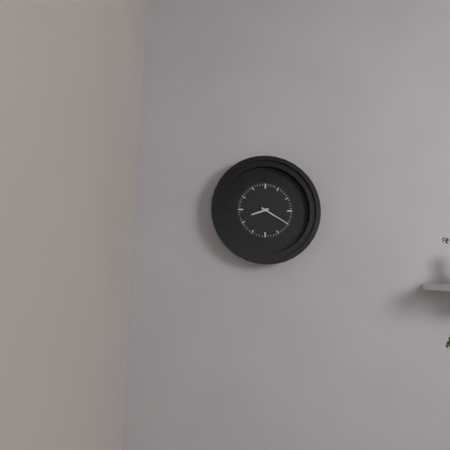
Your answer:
{"hour": 8, "minute": 20}
